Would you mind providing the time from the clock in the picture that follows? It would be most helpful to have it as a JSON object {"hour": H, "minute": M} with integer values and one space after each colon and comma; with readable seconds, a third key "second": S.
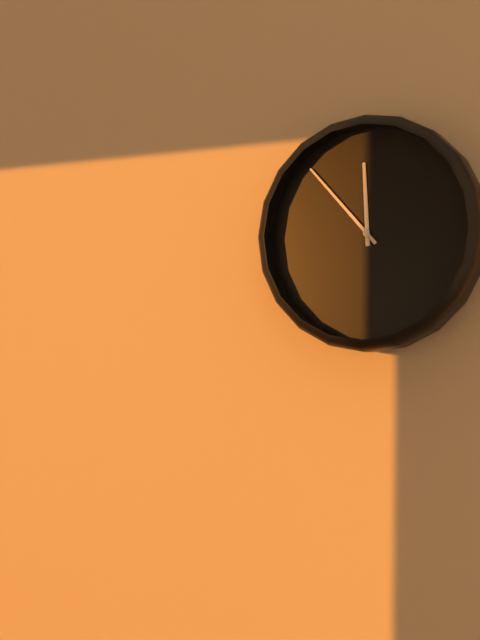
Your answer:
{"hour": 11, "minute": 53}
